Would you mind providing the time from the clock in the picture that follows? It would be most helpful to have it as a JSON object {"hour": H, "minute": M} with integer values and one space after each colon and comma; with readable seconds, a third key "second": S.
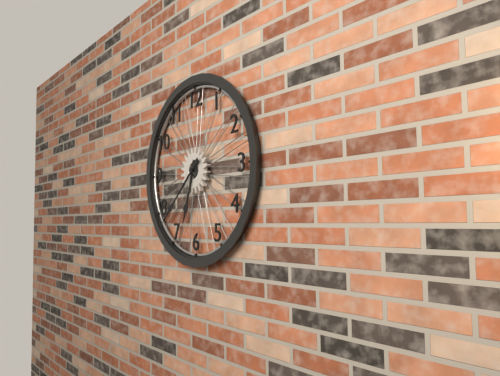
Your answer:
{"hour": 6, "minute": 38}
